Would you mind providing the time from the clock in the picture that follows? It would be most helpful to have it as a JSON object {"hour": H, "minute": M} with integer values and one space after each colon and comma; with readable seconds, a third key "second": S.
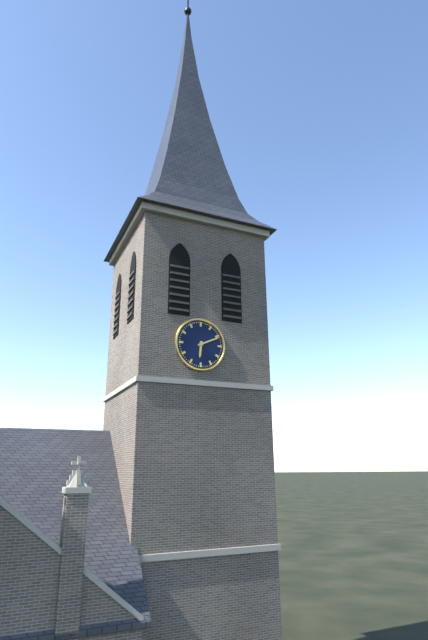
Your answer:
{"hour": 6, "minute": 11}
